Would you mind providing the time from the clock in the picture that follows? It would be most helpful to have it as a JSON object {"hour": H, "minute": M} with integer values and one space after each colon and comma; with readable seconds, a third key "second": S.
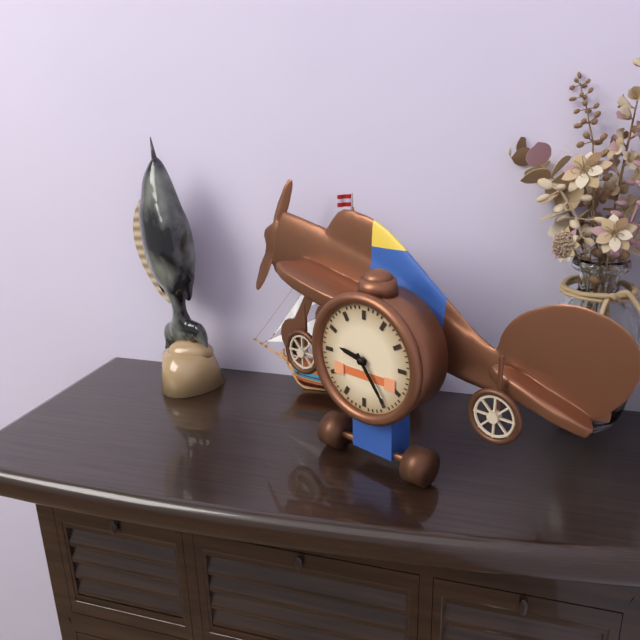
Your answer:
{"hour": 9, "minute": 24}
